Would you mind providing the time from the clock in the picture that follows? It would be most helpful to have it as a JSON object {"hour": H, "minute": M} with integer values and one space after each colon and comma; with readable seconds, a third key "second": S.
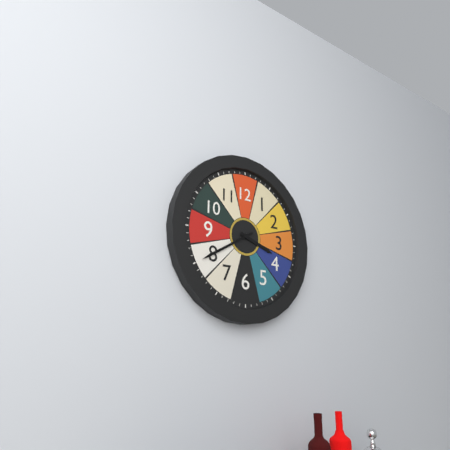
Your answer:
{"hour": 3, "minute": 40}
